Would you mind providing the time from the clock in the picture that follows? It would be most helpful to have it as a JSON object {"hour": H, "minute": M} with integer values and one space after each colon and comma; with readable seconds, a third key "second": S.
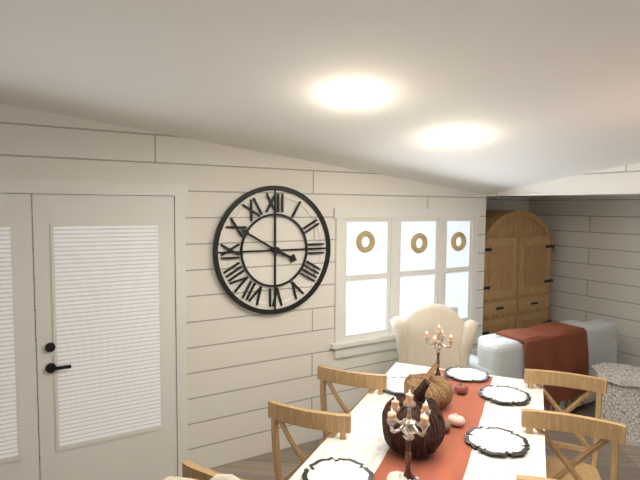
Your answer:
{"hour": 3, "minute": 50}
